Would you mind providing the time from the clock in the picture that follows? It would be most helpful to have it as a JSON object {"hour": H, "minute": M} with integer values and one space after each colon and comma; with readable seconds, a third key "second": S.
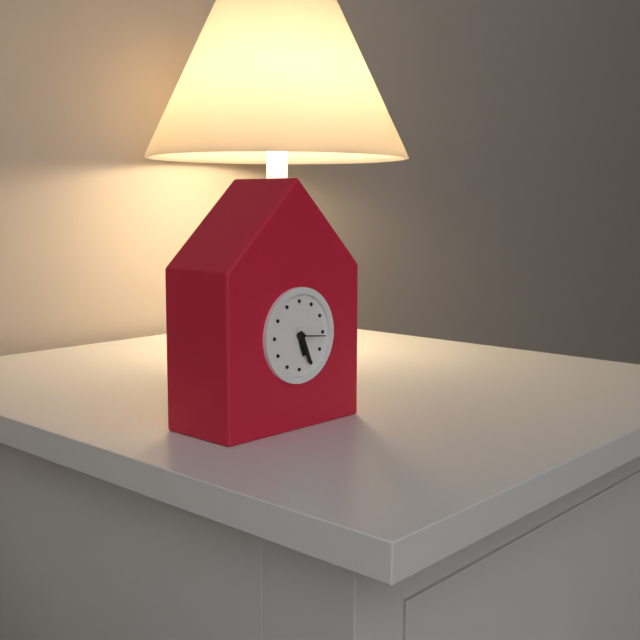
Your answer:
{"hour": 5, "minute": 26}
